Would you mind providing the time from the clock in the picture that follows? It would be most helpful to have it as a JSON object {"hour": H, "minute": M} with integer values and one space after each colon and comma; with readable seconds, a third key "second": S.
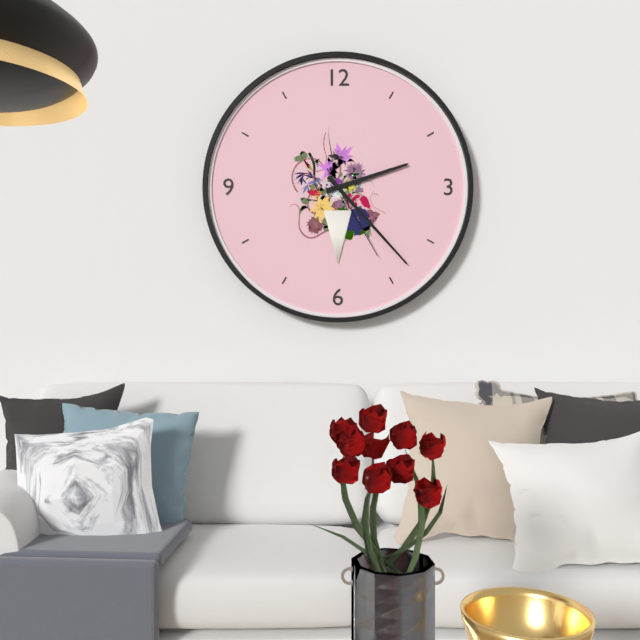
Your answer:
{"hour": 2, "minute": 23, "second": 25}
